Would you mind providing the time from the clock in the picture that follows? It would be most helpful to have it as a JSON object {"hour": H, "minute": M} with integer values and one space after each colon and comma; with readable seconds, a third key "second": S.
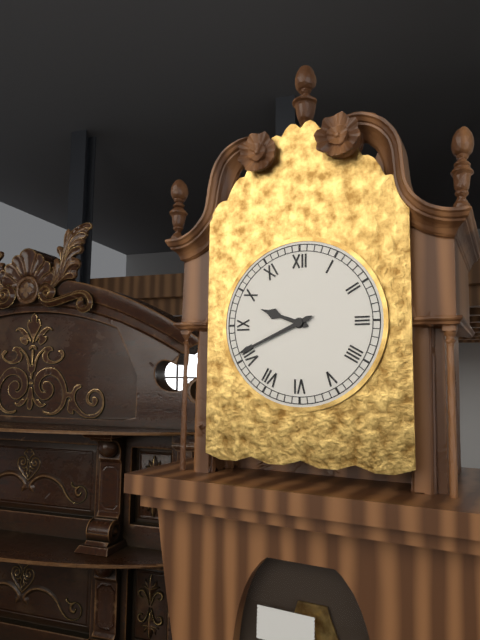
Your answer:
{"hour": 9, "minute": 41}
